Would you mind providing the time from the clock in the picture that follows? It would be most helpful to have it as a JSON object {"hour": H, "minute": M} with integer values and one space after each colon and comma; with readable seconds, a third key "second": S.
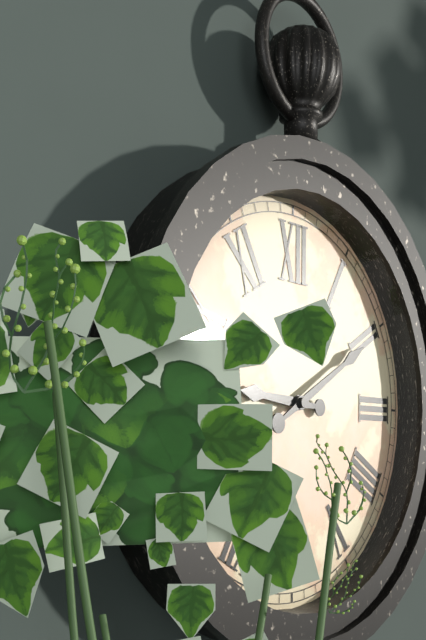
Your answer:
{"hour": 9, "minute": 10}
